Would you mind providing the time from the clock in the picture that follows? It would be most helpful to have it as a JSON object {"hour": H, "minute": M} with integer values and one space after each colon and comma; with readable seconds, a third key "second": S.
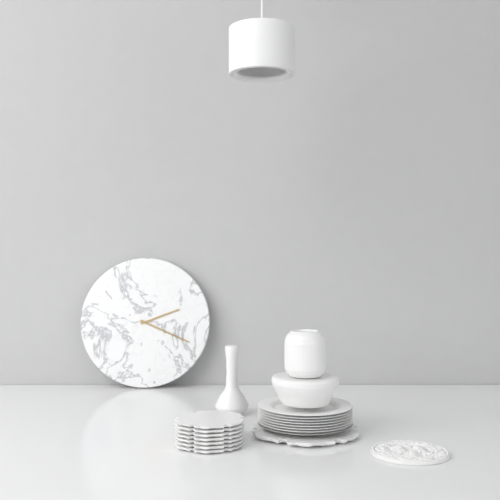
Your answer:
{"hour": 2, "minute": 19}
